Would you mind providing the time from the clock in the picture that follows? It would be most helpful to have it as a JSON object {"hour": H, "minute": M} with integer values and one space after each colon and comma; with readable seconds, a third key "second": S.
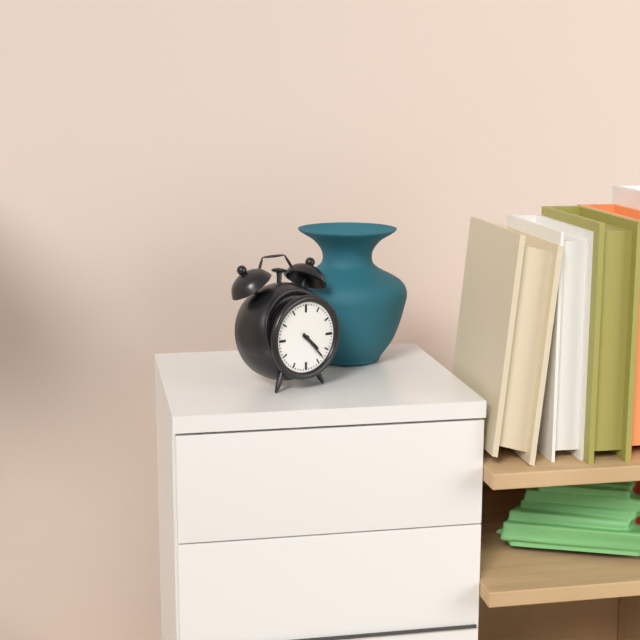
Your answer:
{"hour": 4, "minute": 23}
